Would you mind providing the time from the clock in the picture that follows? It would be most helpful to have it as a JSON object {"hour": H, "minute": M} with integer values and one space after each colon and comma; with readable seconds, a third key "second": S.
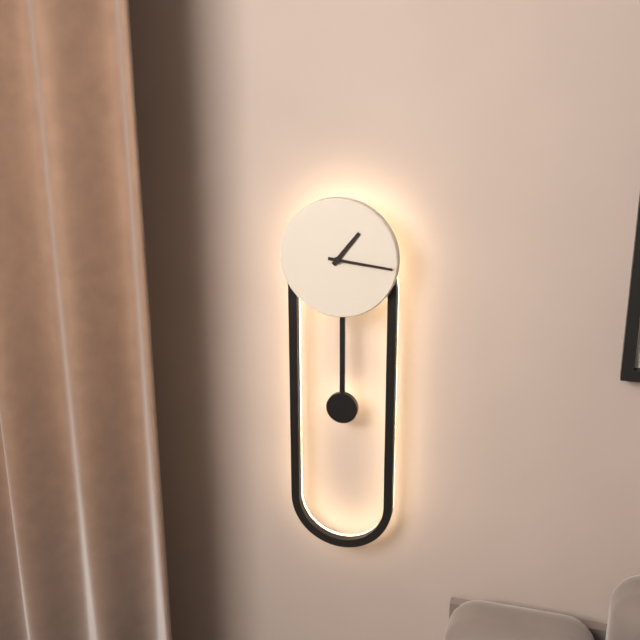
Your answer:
{"hour": 1, "minute": 16}
